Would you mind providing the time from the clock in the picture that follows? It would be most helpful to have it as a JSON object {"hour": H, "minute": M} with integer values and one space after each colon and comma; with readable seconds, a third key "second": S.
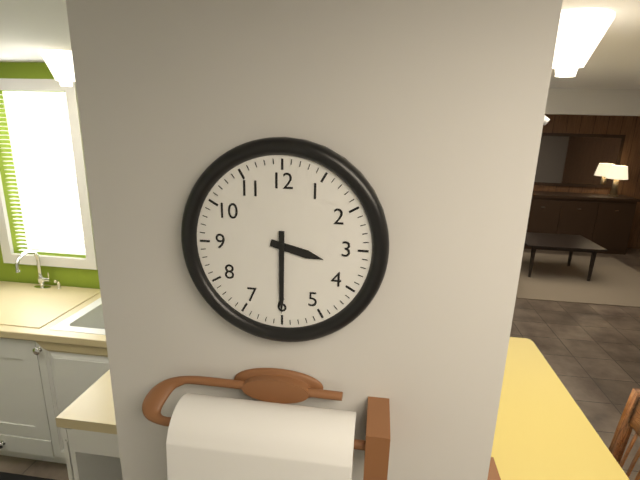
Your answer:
{"hour": 3, "minute": 30}
